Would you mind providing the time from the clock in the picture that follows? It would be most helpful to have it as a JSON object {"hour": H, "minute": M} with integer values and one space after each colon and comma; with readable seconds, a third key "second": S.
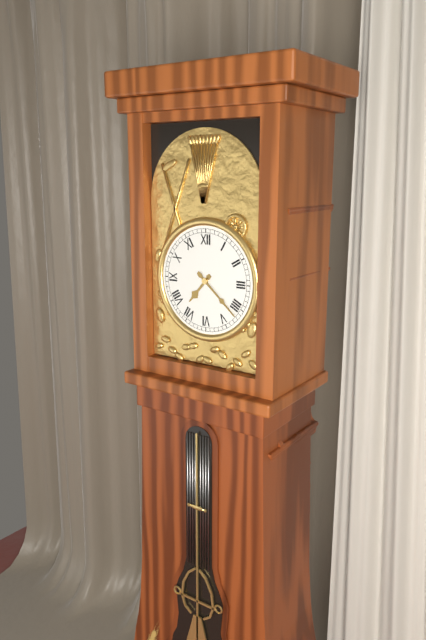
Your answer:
{"hour": 7, "minute": 22}
